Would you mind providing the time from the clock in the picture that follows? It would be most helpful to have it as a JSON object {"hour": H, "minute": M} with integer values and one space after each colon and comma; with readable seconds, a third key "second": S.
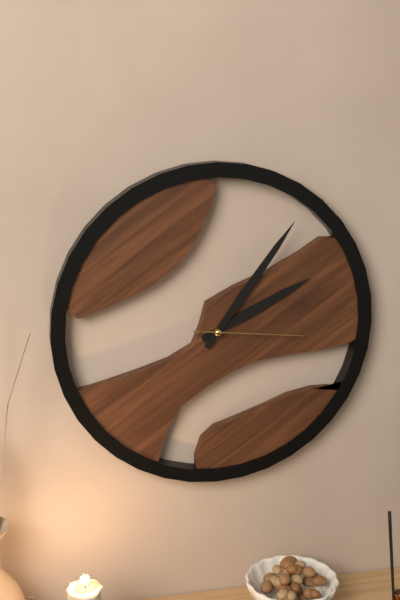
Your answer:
{"hour": 2, "minute": 6, "second": 16}
